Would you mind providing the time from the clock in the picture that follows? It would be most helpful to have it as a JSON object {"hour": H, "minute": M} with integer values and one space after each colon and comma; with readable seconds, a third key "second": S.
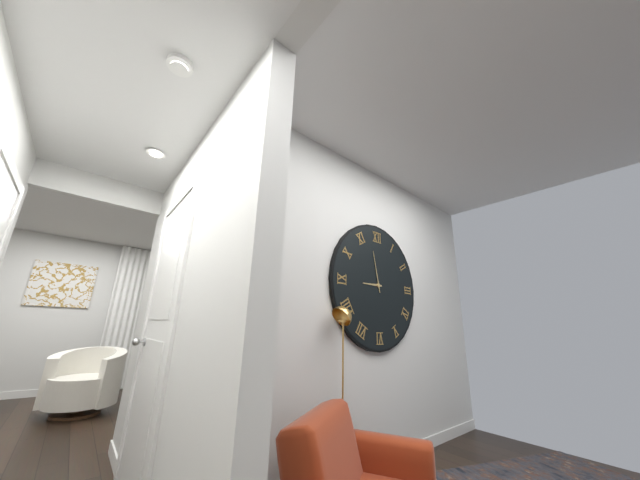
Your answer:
{"hour": 8, "minute": 58}
